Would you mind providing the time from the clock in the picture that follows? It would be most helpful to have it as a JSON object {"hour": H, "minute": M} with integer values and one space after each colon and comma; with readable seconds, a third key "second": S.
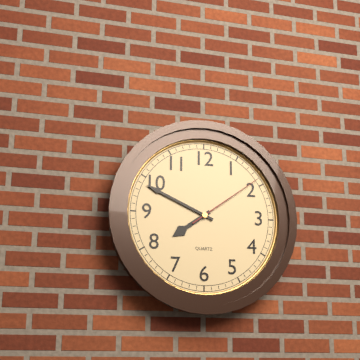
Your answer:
{"hour": 7, "minute": 49, "second": 9}
